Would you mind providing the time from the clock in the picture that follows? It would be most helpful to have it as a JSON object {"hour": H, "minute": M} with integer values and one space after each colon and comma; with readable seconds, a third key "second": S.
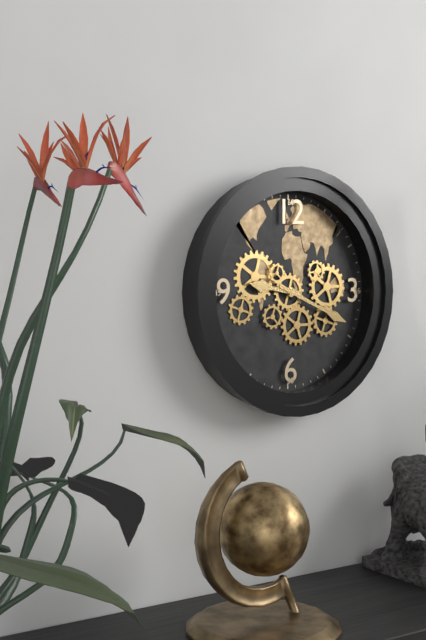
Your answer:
{"hour": 9, "minute": 19}
